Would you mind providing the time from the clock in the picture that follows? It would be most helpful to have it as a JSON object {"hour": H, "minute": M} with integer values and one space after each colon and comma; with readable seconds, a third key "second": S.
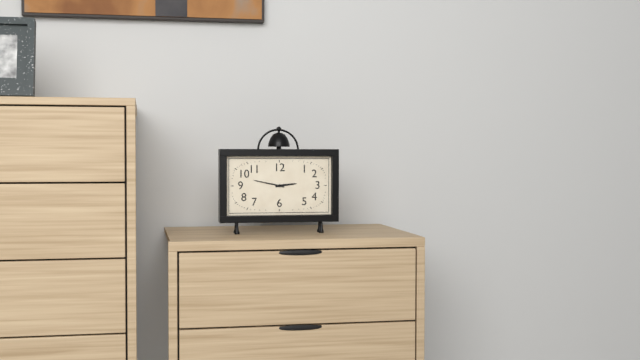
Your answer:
{"hour": 2, "minute": 47}
